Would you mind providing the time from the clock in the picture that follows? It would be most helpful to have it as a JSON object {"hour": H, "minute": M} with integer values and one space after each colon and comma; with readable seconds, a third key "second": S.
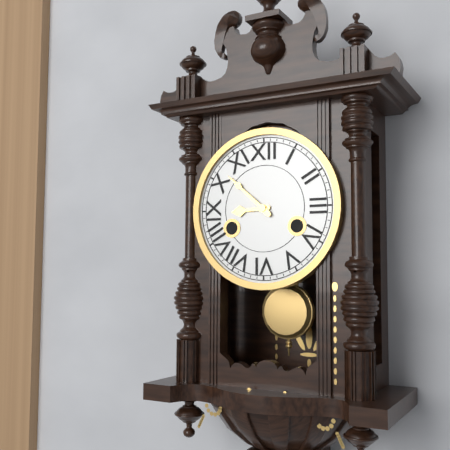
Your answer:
{"hour": 8, "minute": 52}
